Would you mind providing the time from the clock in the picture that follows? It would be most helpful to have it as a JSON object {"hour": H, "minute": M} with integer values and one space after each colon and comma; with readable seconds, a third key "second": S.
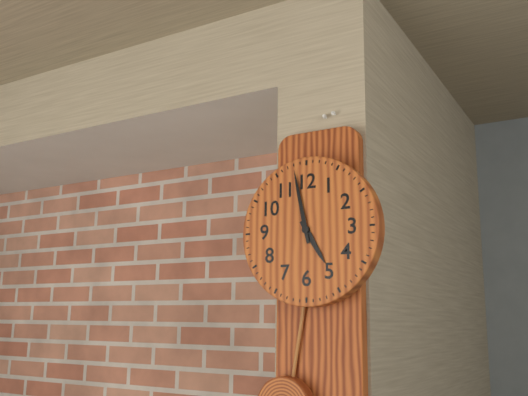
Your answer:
{"hour": 4, "minute": 58}
